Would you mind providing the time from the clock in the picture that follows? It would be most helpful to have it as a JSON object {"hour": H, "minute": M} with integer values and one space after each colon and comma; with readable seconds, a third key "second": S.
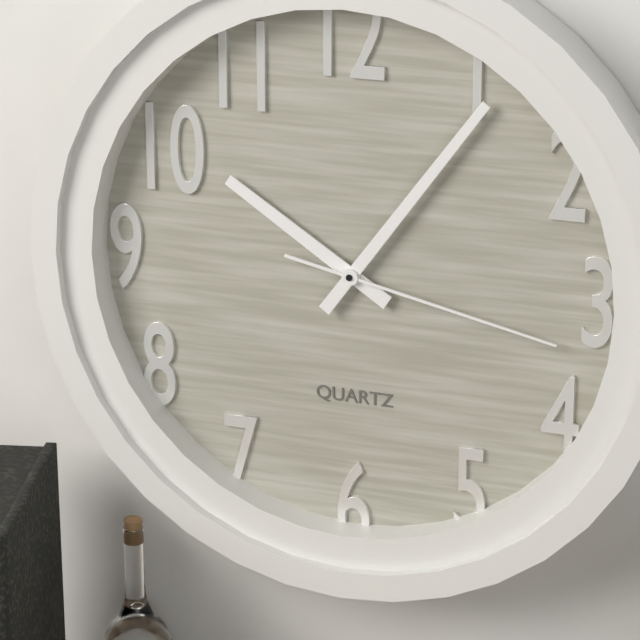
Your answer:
{"hour": 10, "minute": 6, "second": 17}
